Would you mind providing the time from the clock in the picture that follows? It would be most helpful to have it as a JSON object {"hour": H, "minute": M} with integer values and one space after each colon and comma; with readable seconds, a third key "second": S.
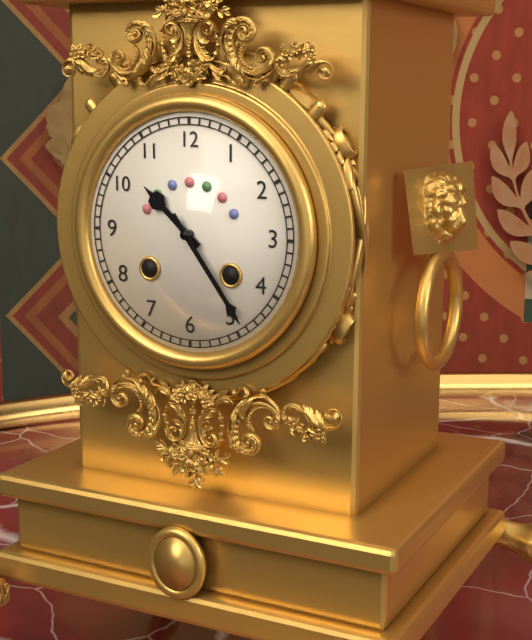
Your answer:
{"hour": 10, "minute": 24}
